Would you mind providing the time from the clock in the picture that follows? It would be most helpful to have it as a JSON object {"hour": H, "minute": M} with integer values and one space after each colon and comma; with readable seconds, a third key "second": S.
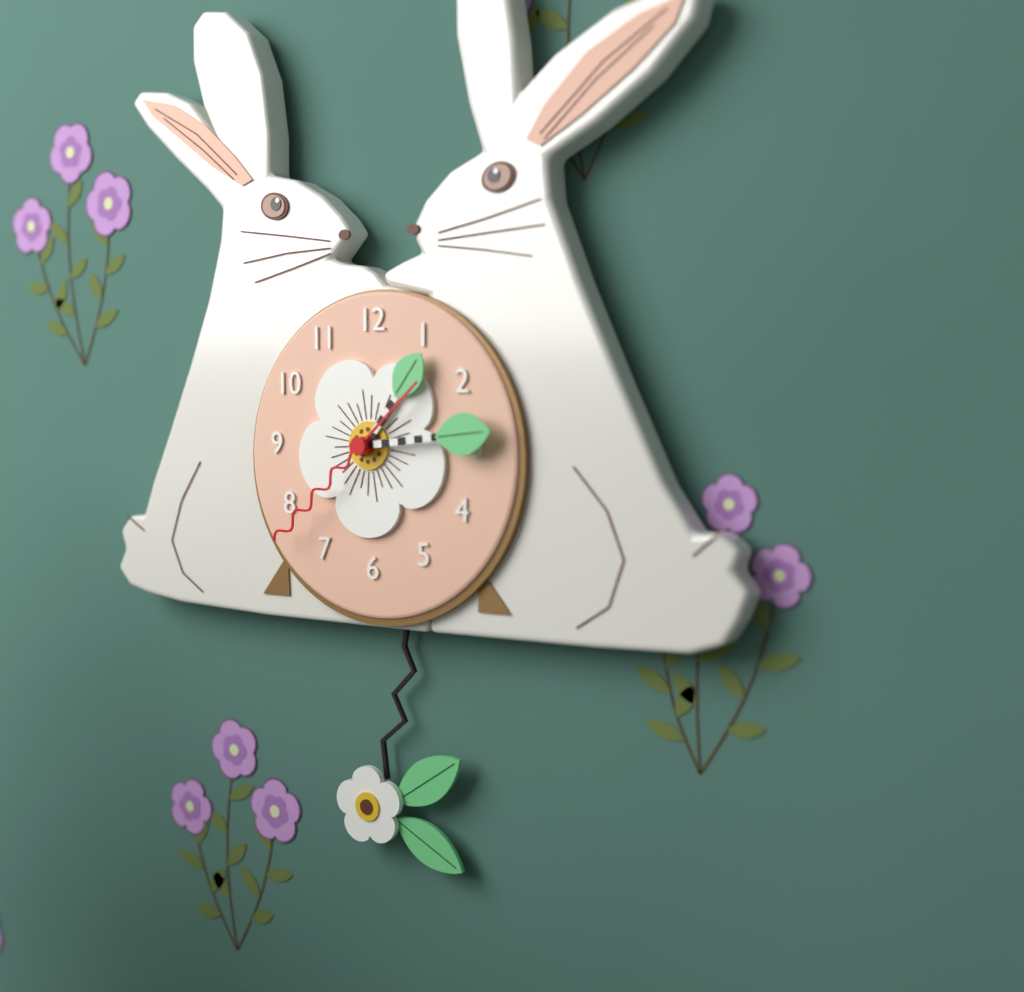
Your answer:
{"hour": 1, "minute": 14, "second": 38}
